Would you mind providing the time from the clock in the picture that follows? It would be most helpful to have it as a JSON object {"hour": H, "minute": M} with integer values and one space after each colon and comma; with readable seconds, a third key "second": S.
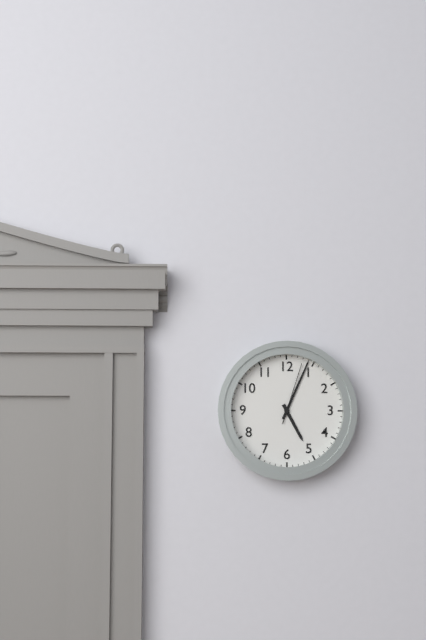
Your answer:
{"hour": 5, "minute": 4, "second": 3}
